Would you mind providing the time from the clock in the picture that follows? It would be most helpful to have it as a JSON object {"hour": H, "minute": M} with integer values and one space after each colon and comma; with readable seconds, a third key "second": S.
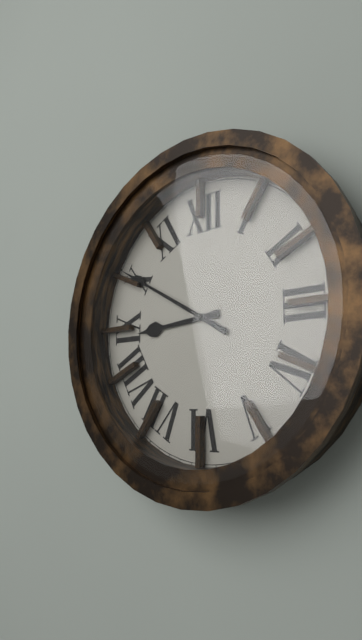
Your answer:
{"hour": 8, "minute": 50}
